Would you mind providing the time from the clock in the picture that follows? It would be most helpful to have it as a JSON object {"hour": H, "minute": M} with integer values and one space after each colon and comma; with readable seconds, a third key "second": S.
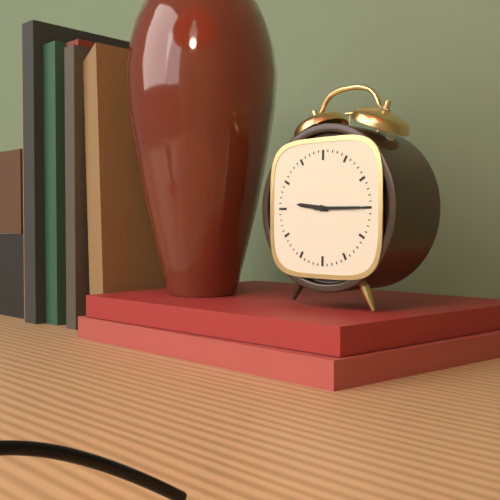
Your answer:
{"hour": 9, "minute": 15}
